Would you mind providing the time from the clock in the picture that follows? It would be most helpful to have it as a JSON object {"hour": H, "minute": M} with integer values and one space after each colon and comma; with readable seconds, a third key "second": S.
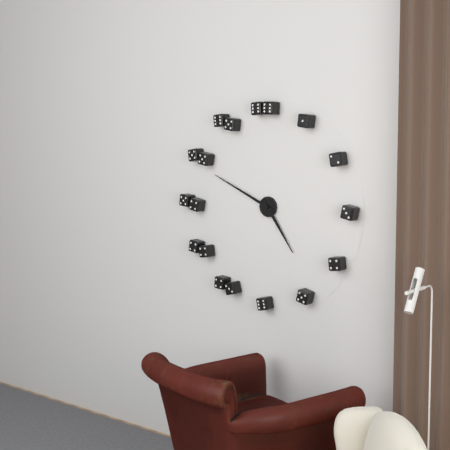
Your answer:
{"hour": 4, "minute": 49}
